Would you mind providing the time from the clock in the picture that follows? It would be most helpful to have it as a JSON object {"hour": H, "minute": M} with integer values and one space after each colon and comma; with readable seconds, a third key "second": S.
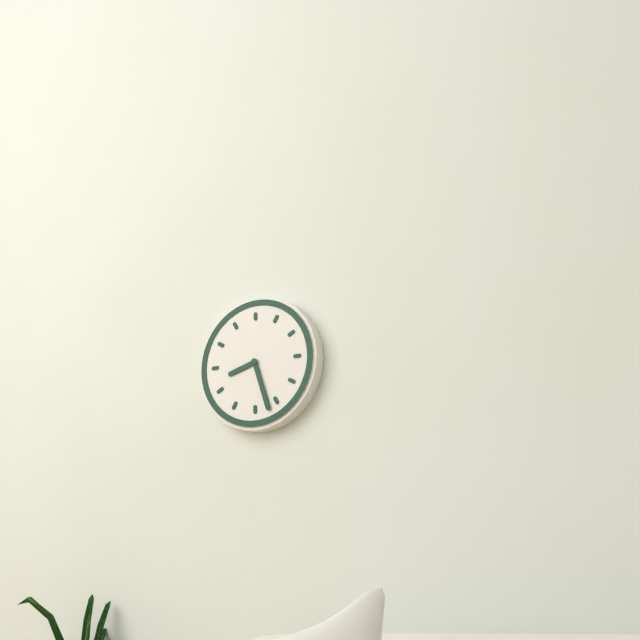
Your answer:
{"hour": 8, "minute": 27}
